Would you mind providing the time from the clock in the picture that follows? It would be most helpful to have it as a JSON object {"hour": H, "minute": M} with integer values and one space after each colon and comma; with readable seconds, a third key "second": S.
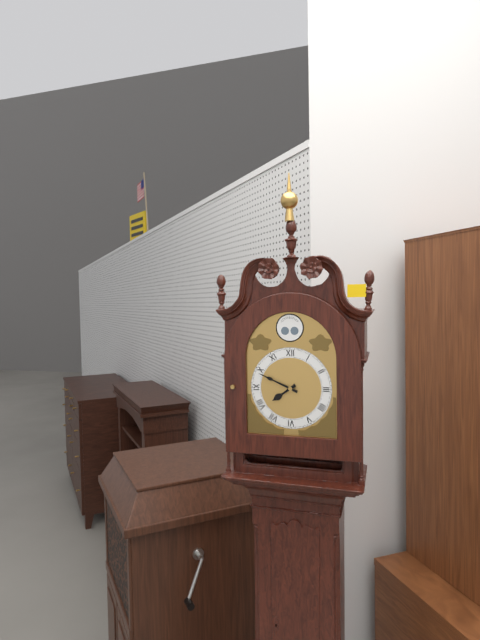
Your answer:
{"hour": 7, "minute": 49}
